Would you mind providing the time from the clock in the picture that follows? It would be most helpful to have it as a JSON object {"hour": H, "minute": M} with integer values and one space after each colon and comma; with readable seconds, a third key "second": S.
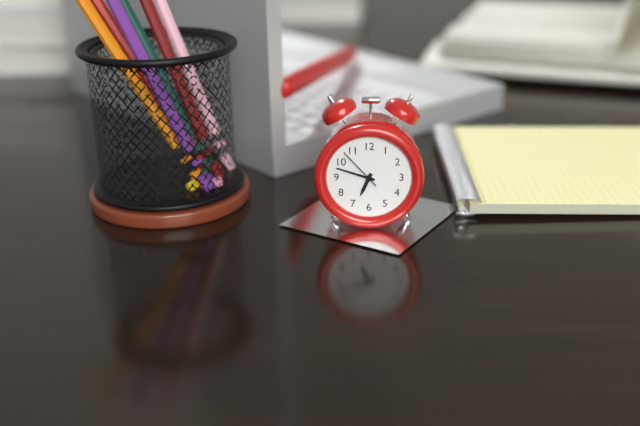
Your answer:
{"hour": 6, "minute": 48}
